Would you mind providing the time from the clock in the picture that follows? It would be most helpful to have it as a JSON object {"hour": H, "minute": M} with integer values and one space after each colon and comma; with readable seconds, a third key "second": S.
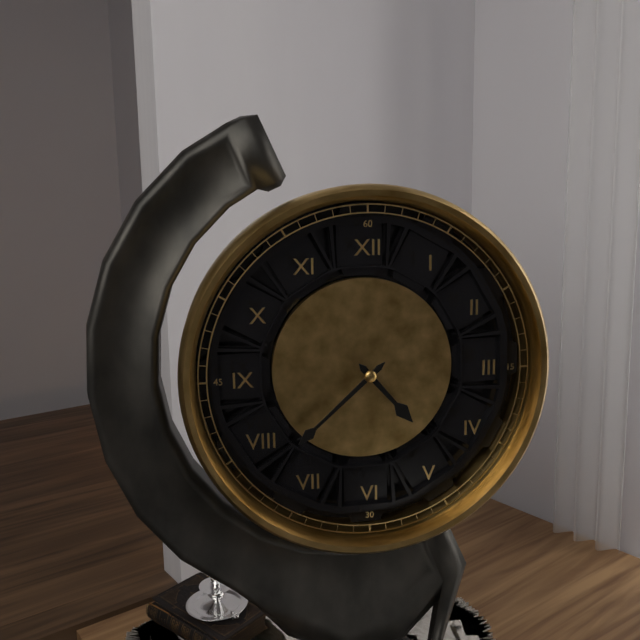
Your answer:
{"hour": 4, "minute": 38}
